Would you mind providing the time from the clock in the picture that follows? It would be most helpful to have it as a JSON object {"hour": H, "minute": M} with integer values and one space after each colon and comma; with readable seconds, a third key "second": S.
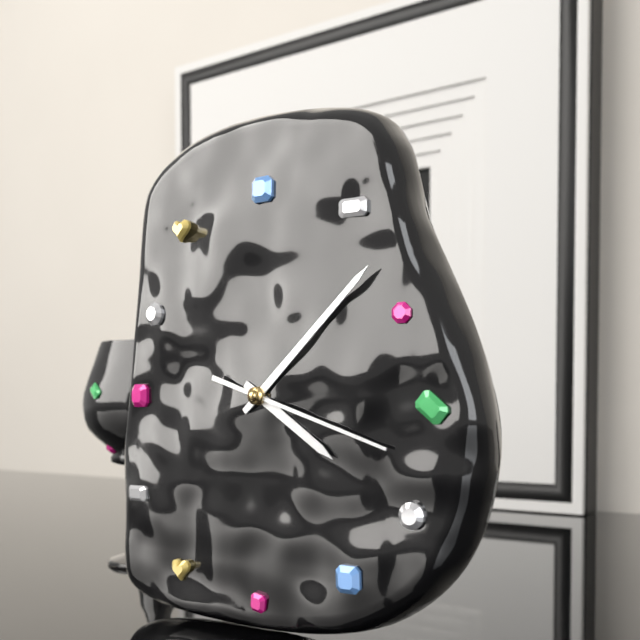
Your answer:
{"hour": 4, "minute": 8, "second": 18}
